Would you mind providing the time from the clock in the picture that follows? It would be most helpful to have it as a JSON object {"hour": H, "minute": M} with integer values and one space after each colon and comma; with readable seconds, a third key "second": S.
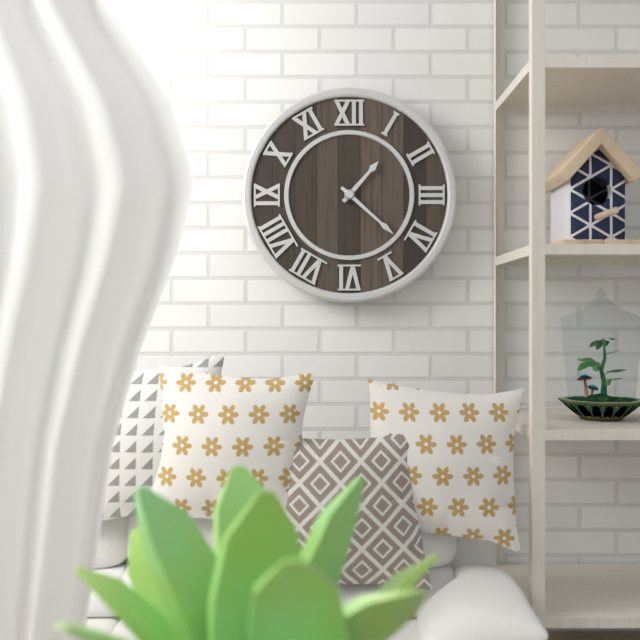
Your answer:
{"hour": 1, "minute": 22}
